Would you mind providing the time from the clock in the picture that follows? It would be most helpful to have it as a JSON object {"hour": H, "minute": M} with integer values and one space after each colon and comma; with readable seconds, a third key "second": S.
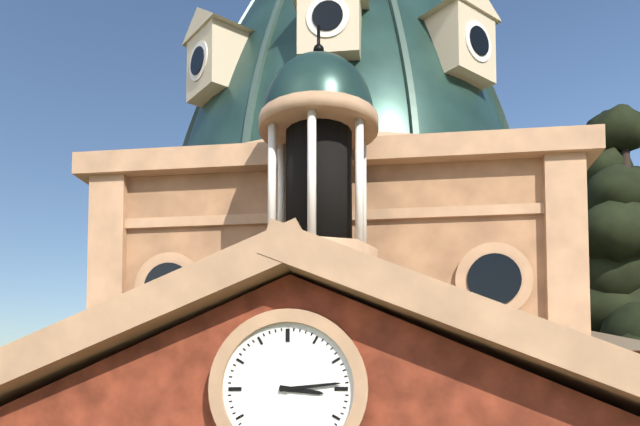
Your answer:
{"hour": 3, "minute": 14}
